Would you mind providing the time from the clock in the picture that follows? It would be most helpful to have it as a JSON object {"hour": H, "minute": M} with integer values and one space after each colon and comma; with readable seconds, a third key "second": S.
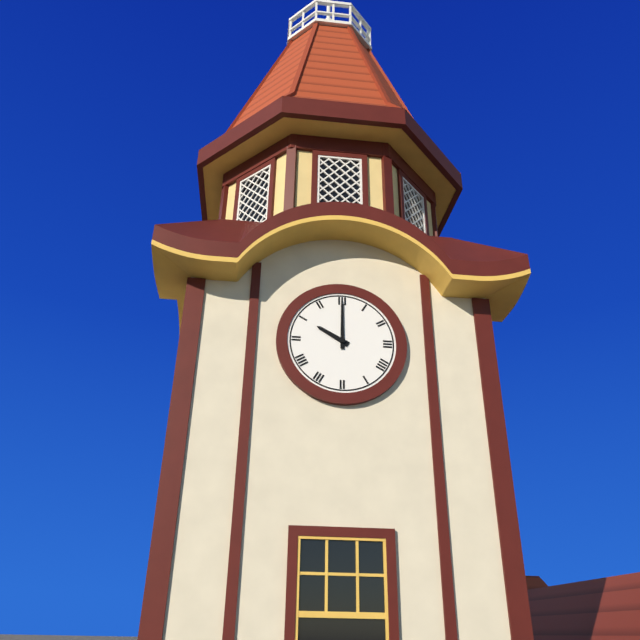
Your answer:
{"hour": 10, "minute": 0}
